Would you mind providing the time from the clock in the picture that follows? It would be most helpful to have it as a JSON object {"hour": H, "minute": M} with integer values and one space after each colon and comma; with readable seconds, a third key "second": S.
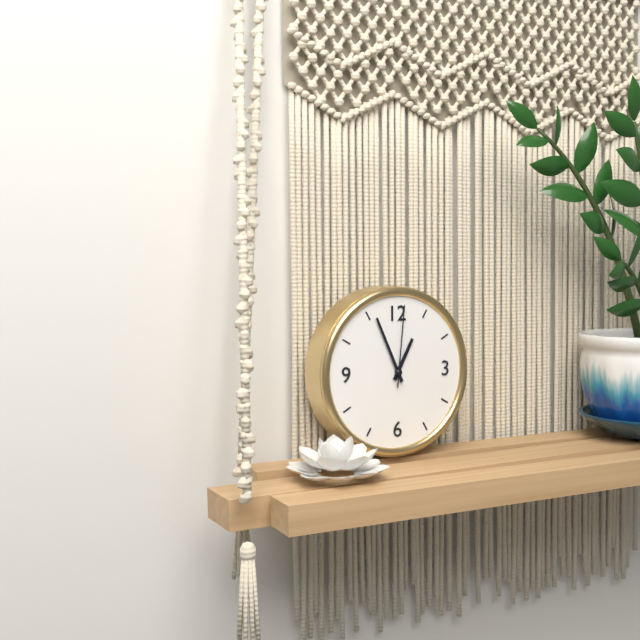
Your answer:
{"hour": 12, "minute": 56, "second": 1}
